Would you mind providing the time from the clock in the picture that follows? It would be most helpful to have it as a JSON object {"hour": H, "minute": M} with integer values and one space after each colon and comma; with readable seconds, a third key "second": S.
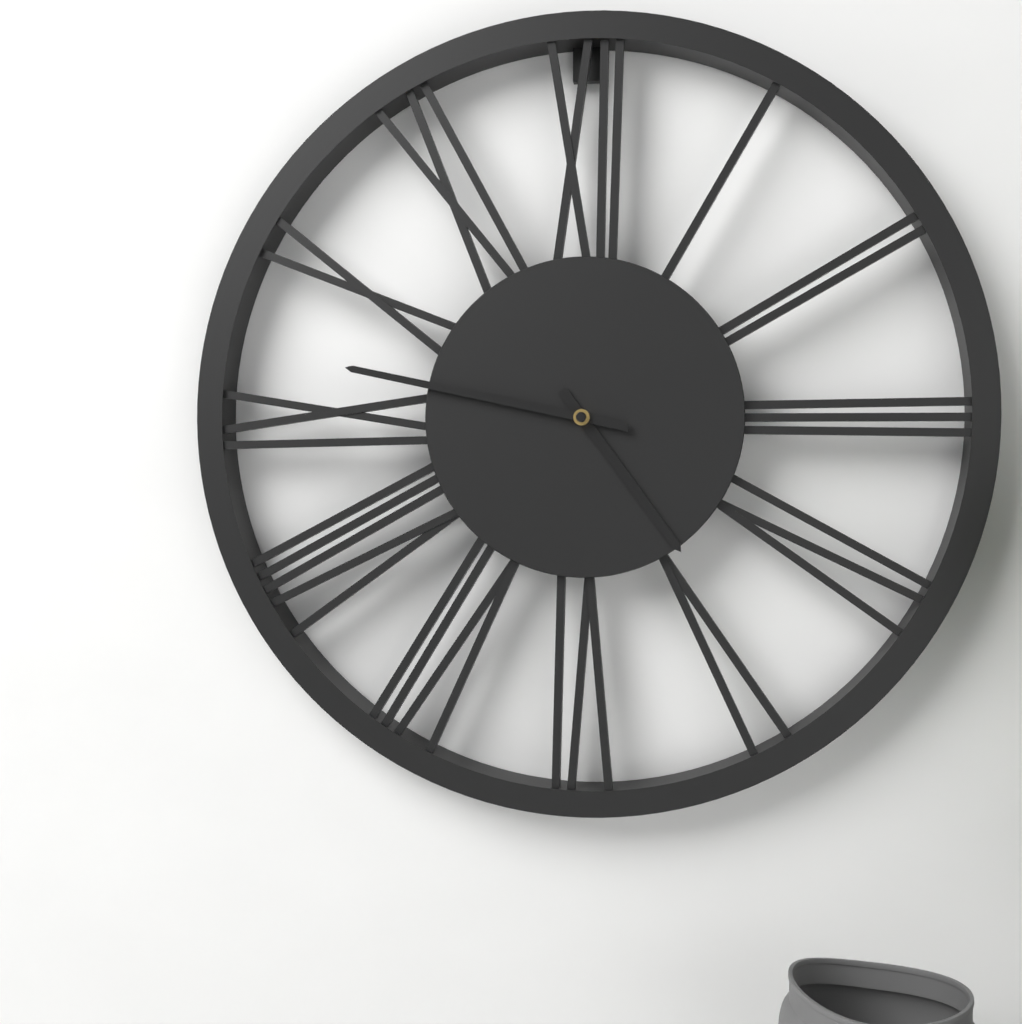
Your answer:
{"hour": 4, "minute": 47}
